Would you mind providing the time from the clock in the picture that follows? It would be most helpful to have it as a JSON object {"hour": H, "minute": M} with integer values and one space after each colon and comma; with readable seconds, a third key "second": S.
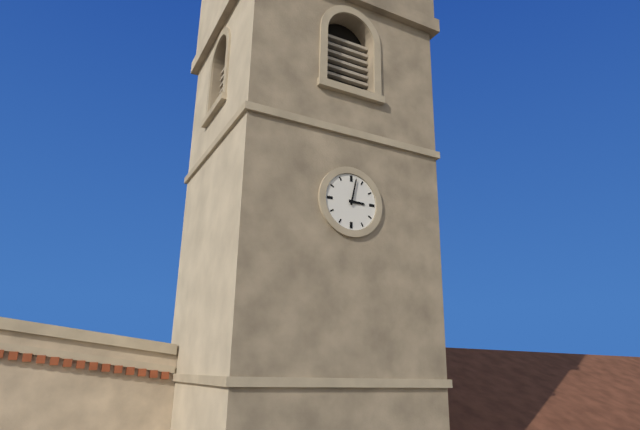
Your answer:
{"hour": 3, "minute": 2}
